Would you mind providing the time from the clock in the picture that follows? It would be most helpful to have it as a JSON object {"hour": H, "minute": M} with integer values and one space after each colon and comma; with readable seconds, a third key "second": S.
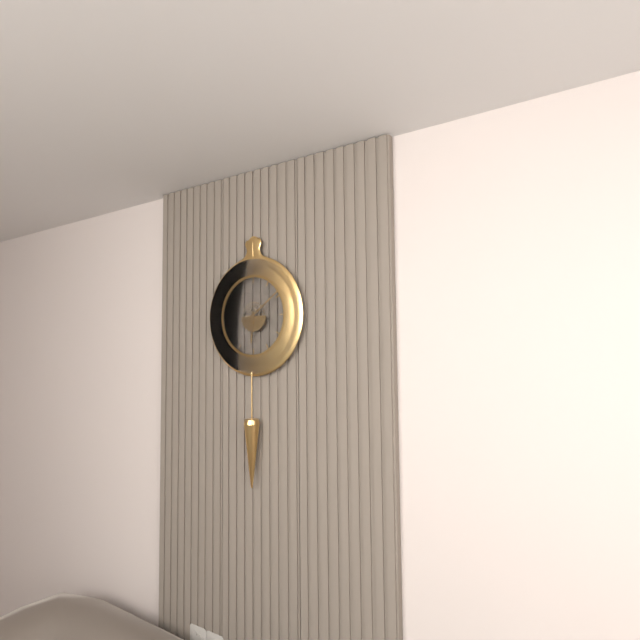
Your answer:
{"hour": 6, "minute": 9}
